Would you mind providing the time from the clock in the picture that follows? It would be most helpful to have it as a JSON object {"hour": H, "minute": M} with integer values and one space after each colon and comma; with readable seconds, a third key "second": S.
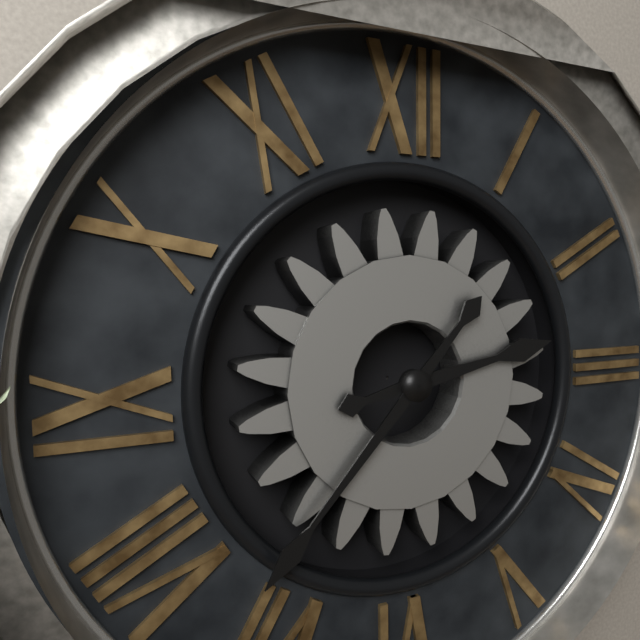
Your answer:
{"hour": 2, "minute": 37}
